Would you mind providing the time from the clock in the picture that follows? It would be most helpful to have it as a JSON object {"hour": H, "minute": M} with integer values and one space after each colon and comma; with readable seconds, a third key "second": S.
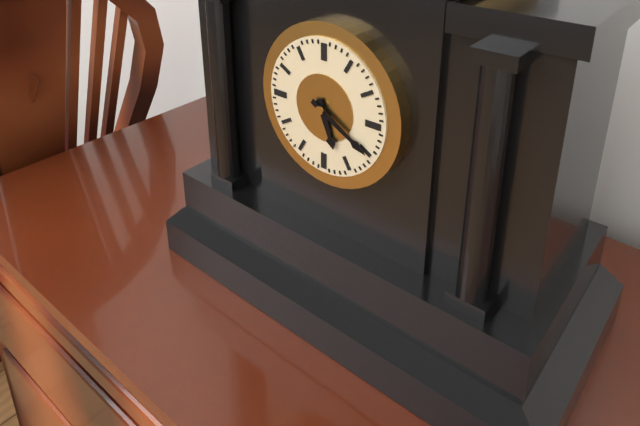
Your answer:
{"hour": 5, "minute": 20}
